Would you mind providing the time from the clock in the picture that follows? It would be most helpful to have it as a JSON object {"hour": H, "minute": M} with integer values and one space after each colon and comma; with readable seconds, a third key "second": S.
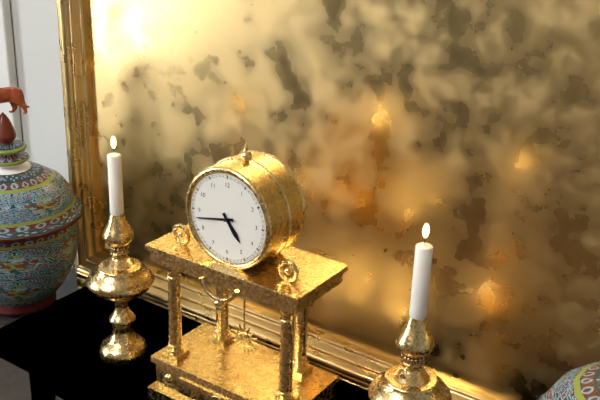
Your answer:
{"hour": 4, "minute": 43}
